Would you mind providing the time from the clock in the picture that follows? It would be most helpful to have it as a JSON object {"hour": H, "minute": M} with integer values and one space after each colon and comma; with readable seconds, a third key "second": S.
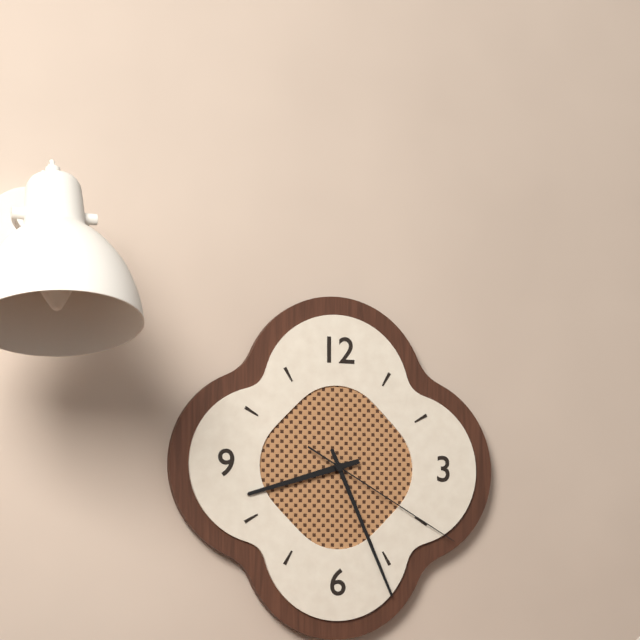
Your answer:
{"hour": 8, "minute": 26, "second": 20}
